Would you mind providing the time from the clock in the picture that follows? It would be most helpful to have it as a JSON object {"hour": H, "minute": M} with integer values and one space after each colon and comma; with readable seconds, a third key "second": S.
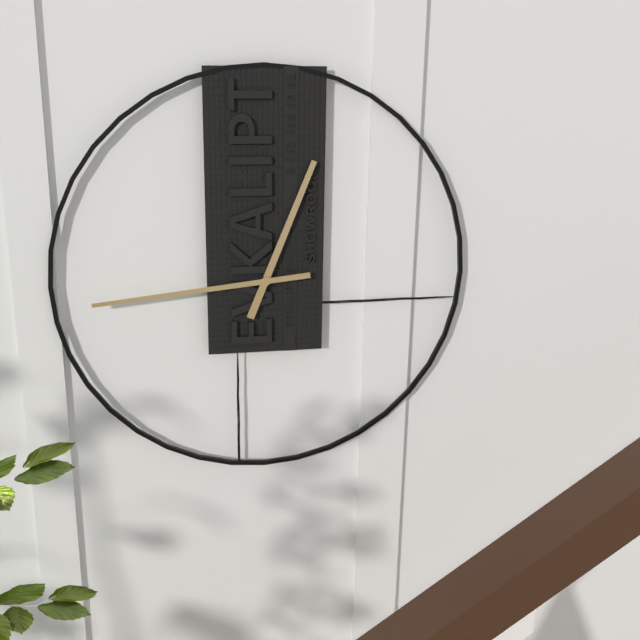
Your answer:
{"hour": 12, "minute": 44}
